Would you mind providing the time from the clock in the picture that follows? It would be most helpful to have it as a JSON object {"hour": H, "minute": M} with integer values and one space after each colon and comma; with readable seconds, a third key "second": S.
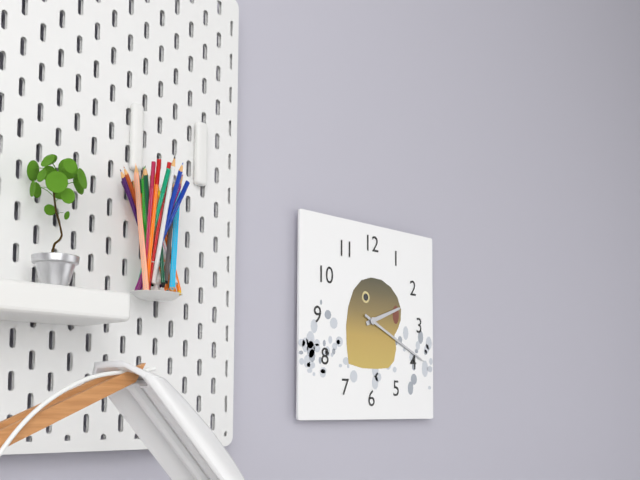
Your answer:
{"hour": 2, "minute": 19}
